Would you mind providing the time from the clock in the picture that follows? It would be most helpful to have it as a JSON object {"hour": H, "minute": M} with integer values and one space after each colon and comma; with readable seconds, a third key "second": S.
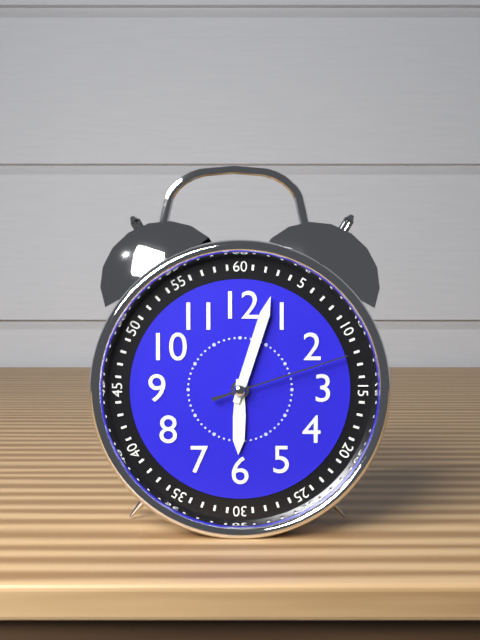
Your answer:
{"hour": 6, "minute": 3, "second": 12}
